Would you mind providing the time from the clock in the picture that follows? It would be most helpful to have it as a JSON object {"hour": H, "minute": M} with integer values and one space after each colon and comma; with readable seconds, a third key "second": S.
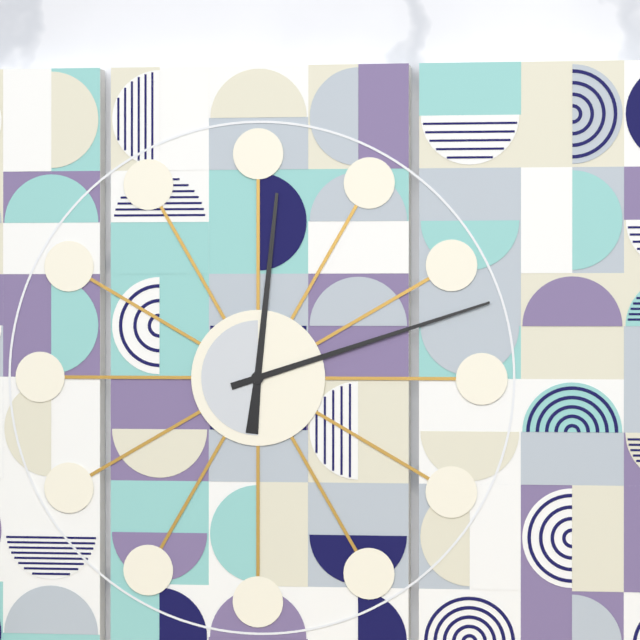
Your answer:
{"hour": 12, "minute": 12}
